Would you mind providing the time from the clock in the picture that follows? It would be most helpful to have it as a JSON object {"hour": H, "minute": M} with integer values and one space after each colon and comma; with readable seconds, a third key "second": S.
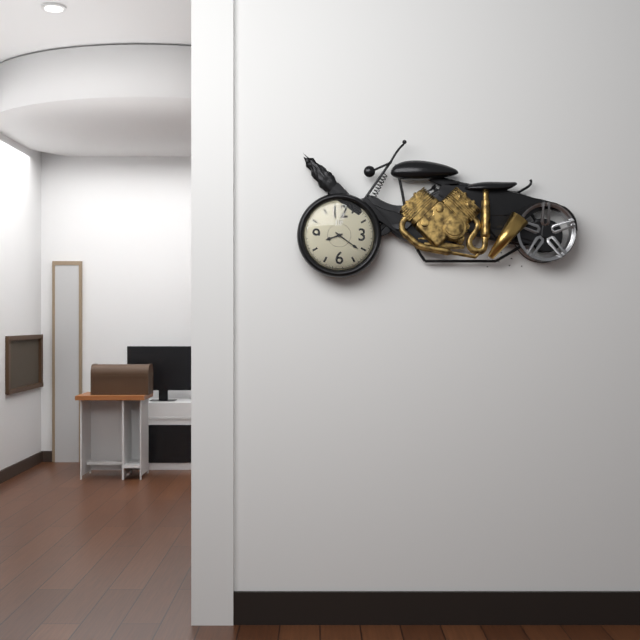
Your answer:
{"hour": 8, "minute": 21}
